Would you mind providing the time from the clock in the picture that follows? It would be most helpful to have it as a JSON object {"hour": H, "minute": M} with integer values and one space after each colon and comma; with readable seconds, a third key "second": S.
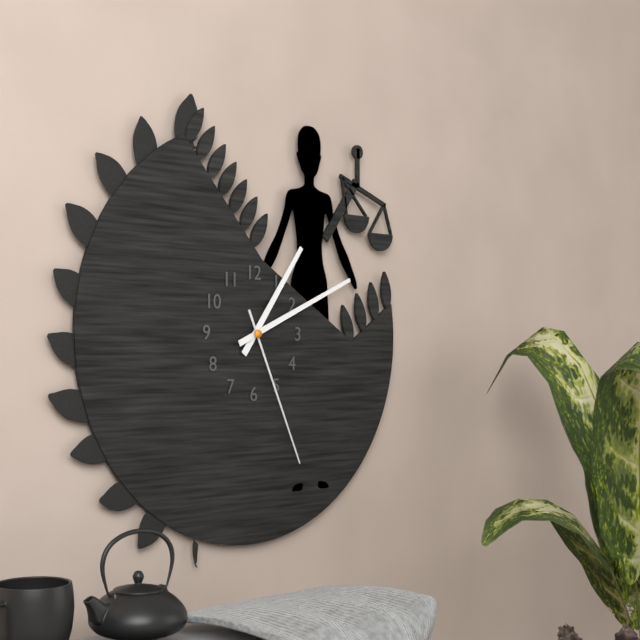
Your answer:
{"hour": 1, "minute": 11, "second": 26}
